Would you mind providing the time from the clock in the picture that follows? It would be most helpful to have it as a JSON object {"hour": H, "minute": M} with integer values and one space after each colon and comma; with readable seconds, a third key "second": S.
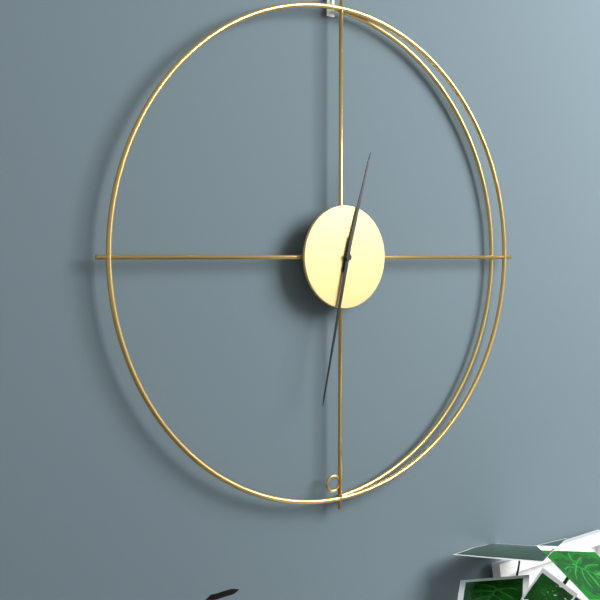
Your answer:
{"hour": 12, "minute": 32}
